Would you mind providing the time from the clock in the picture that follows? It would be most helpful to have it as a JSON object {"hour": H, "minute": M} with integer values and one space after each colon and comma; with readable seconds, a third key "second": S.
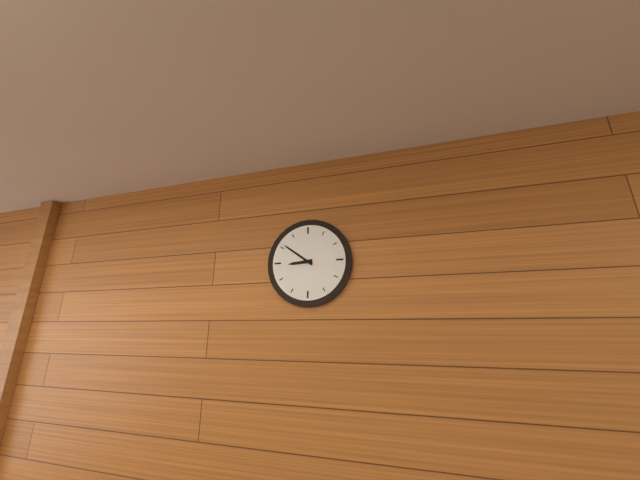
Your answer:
{"hour": 8, "minute": 51}
